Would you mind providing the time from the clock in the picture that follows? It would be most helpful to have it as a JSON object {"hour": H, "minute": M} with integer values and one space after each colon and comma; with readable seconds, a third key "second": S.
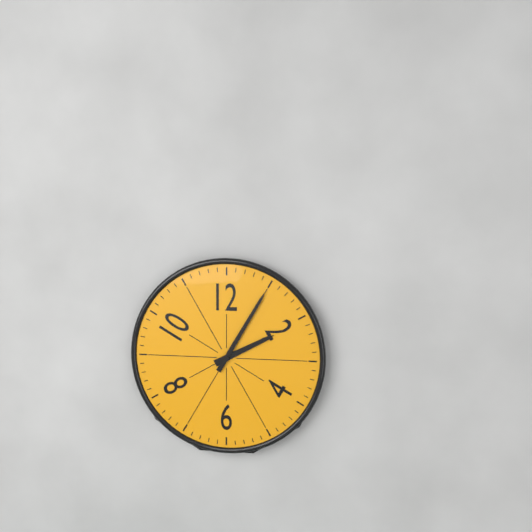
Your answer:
{"hour": 2, "minute": 5}
